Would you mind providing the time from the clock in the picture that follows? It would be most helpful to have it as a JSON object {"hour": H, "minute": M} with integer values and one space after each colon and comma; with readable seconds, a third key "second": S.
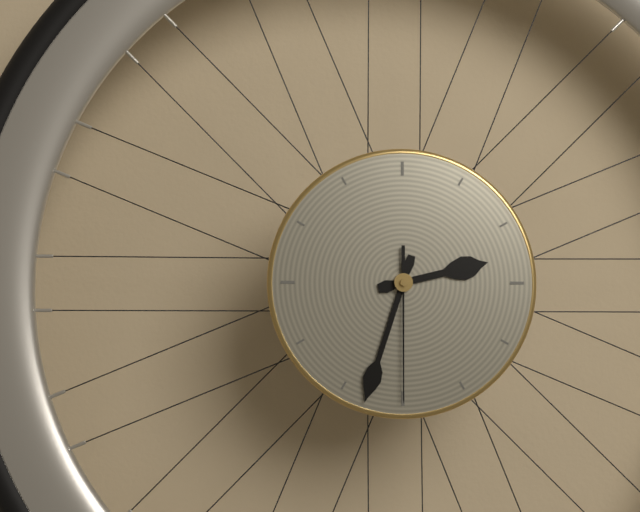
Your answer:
{"hour": 2, "minute": 33, "second": 30}
